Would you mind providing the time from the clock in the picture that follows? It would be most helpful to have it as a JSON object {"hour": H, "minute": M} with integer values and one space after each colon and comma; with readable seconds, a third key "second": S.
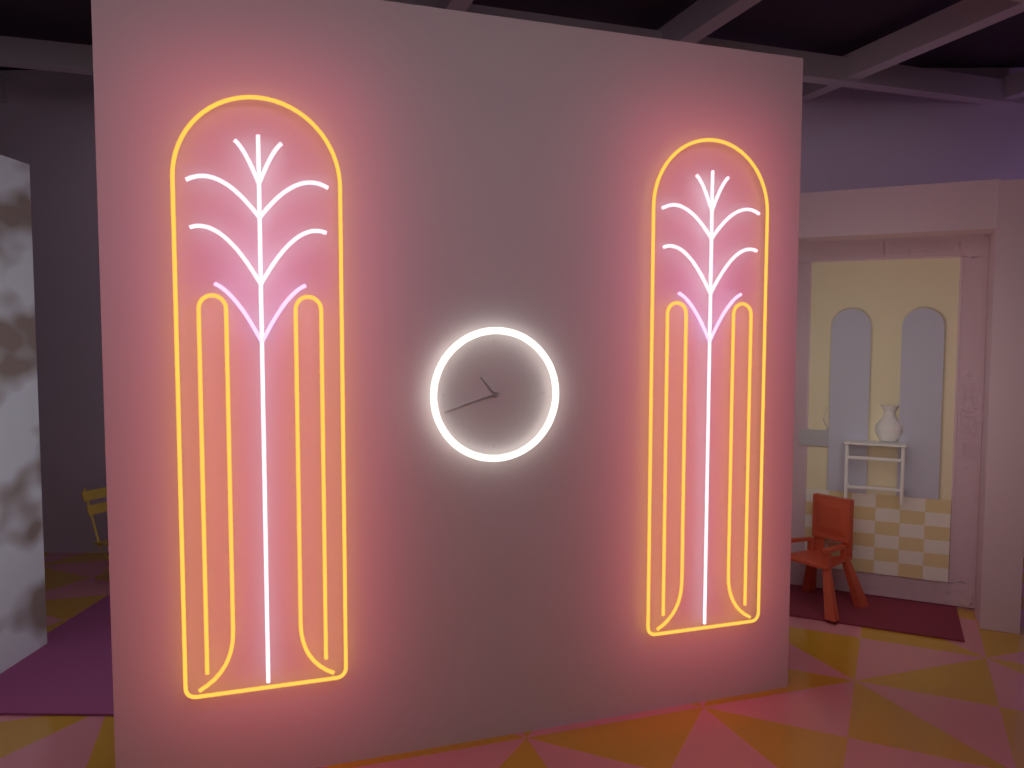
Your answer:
{"hour": 10, "minute": 42}
